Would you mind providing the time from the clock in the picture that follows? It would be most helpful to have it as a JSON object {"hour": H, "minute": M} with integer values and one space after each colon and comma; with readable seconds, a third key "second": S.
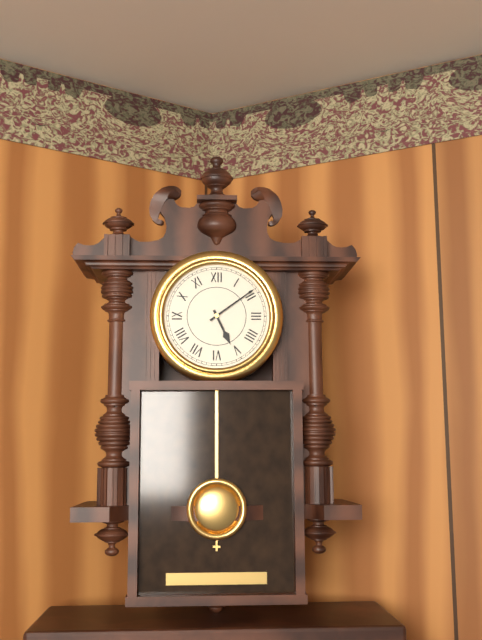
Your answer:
{"hour": 5, "minute": 9}
